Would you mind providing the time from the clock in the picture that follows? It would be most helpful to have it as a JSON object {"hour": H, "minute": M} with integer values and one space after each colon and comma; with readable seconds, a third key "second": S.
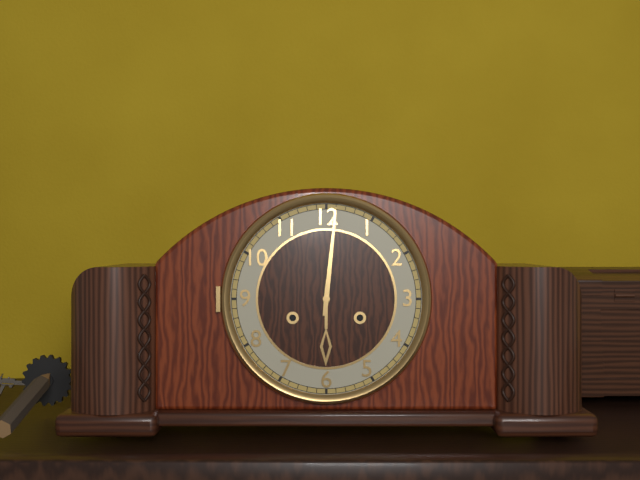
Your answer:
{"hour": 6, "minute": 1}
